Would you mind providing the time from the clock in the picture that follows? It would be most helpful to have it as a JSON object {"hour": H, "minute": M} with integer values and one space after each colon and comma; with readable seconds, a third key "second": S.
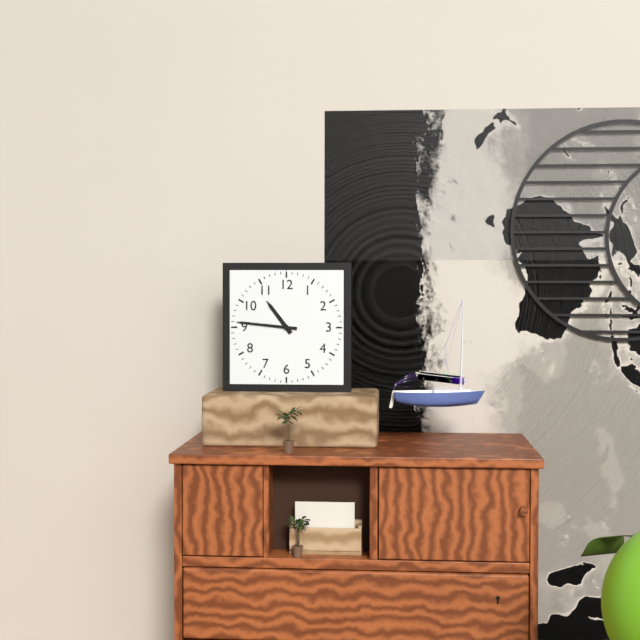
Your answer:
{"hour": 10, "minute": 46}
